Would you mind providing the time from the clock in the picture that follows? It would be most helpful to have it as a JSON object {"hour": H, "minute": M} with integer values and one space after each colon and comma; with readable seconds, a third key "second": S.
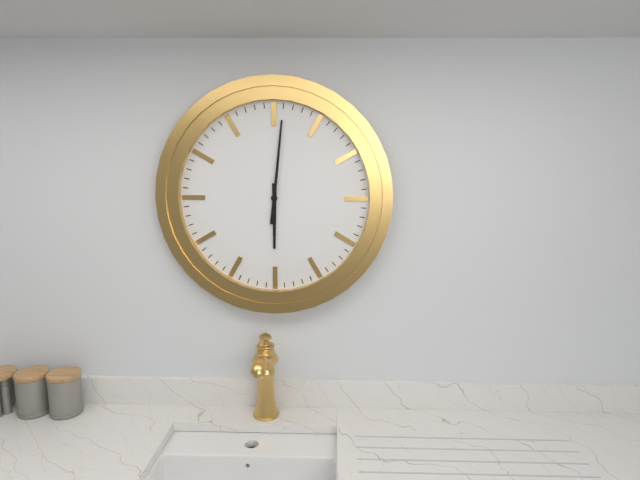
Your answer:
{"hour": 6, "minute": 1}
